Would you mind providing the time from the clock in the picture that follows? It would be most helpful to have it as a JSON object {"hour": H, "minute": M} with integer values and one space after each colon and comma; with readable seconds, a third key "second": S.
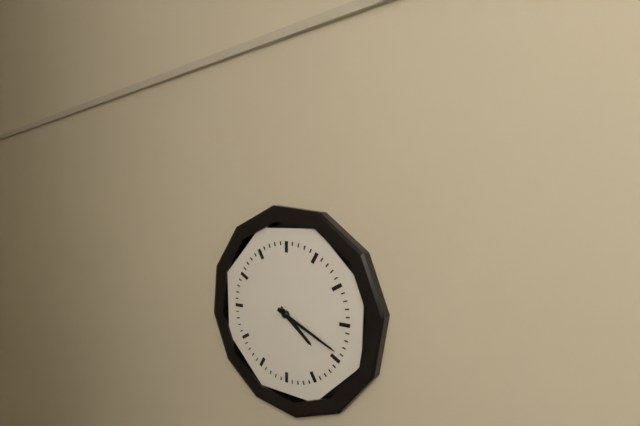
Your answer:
{"hour": 4, "minute": 19}
